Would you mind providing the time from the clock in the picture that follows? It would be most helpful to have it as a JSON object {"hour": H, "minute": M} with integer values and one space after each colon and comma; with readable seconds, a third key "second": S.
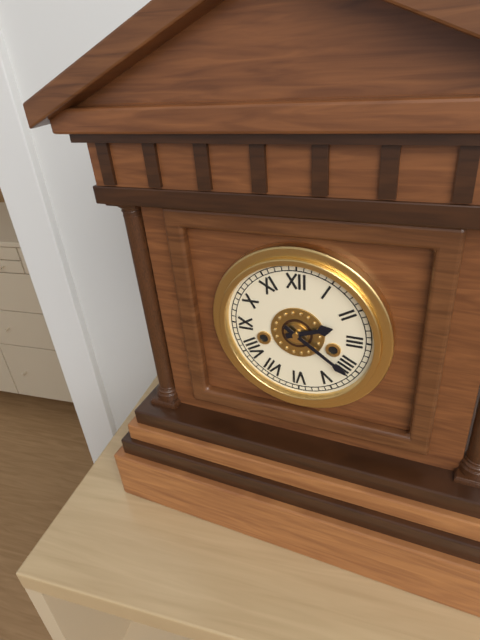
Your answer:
{"hour": 2, "minute": 21}
